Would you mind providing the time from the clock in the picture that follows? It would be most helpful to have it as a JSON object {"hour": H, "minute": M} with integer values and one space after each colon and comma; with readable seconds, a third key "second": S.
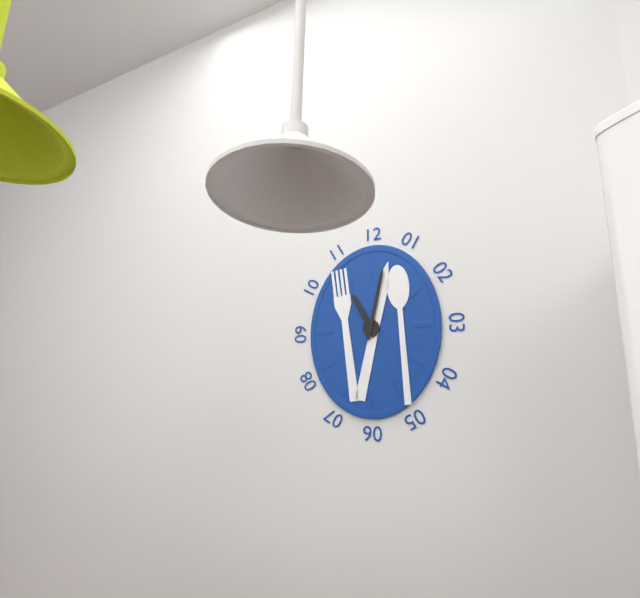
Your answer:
{"hour": 11, "minute": 2}
